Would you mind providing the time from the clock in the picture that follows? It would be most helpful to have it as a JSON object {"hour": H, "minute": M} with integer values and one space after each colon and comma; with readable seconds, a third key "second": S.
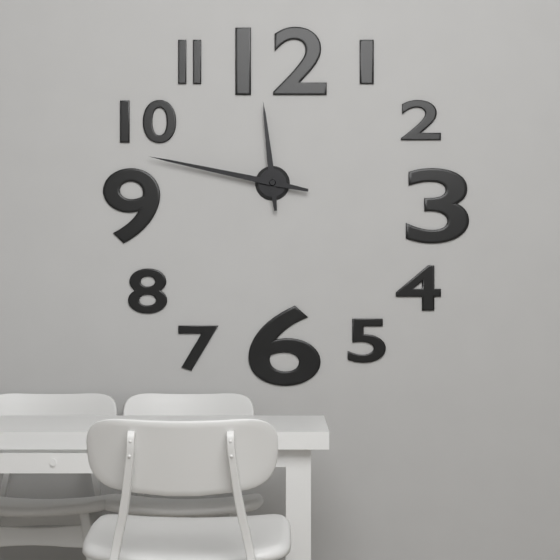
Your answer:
{"hour": 11, "minute": 47}
